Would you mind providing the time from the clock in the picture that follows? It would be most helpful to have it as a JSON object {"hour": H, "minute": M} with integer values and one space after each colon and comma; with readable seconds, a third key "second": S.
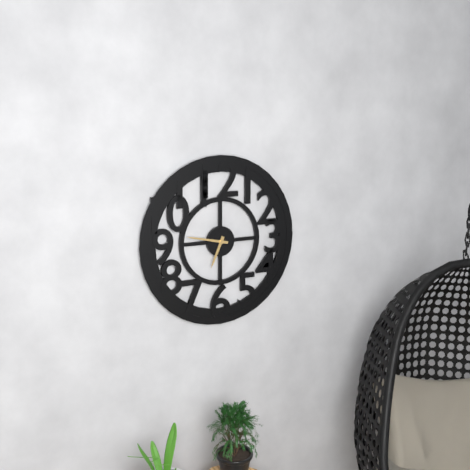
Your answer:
{"hour": 6, "minute": 47}
